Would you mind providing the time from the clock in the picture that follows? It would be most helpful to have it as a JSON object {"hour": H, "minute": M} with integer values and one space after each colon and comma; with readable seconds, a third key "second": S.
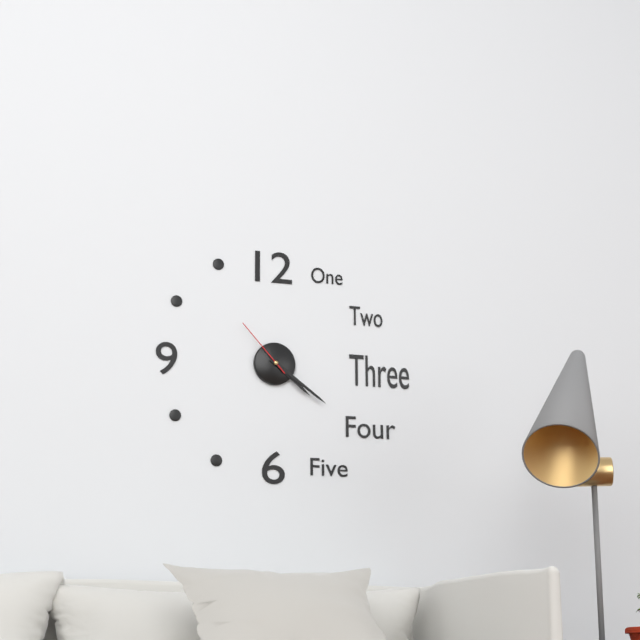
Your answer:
{"hour": 4, "minute": 21, "second": 53}
